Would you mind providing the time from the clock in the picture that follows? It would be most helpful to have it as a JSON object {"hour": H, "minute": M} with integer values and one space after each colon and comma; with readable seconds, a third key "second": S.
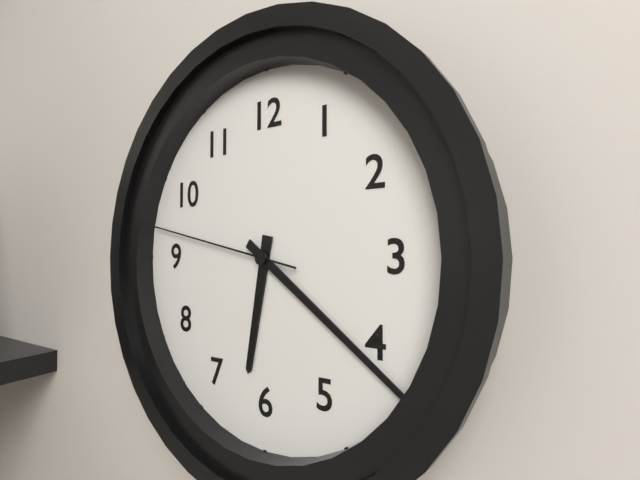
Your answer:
{"hour": 6, "minute": 21, "second": 47}
